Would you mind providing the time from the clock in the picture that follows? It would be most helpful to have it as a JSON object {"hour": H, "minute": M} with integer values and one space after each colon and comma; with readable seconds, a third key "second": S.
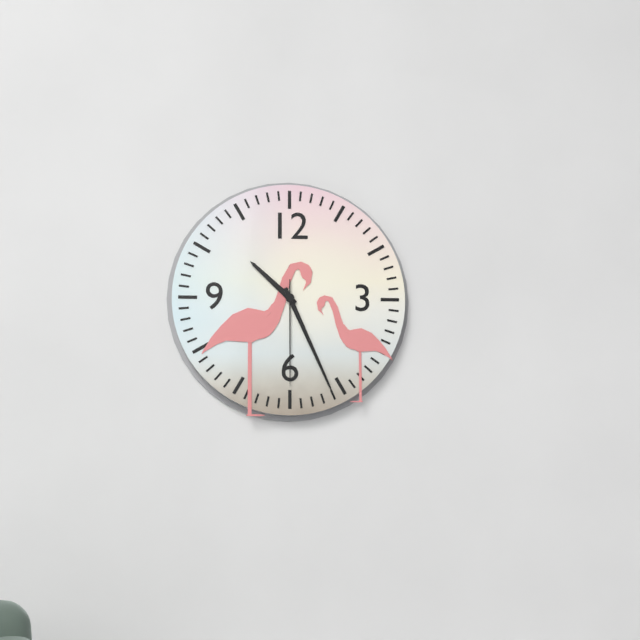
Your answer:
{"hour": 10, "minute": 26, "second": 30}
